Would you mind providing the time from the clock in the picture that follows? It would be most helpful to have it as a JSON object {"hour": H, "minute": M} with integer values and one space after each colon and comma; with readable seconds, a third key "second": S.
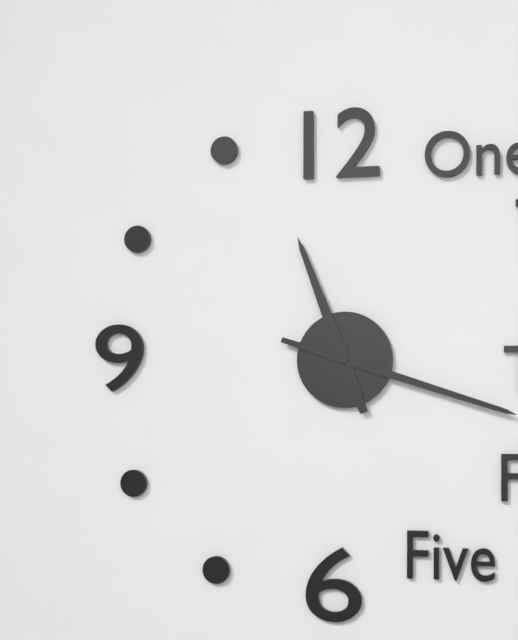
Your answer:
{"hour": 11, "minute": 18}
